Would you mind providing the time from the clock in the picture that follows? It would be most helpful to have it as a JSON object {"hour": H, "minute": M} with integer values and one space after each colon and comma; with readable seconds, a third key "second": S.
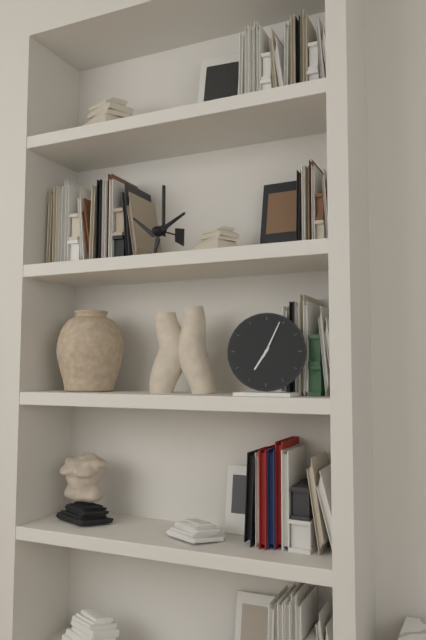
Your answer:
{"hour": 7, "minute": 4}
